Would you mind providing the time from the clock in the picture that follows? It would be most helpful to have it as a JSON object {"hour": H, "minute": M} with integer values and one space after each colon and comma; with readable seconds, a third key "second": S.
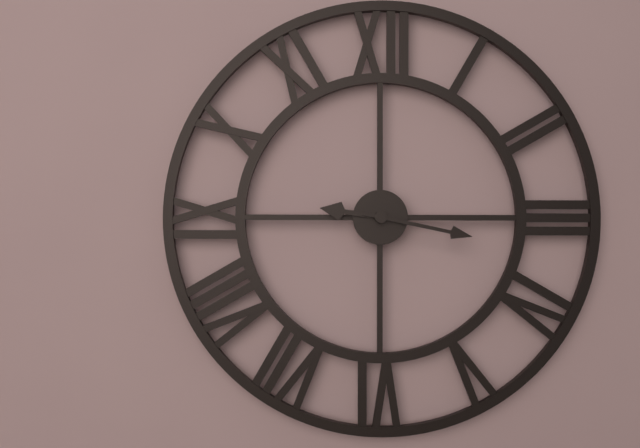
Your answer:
{"hour": 9, "minute": 17}
